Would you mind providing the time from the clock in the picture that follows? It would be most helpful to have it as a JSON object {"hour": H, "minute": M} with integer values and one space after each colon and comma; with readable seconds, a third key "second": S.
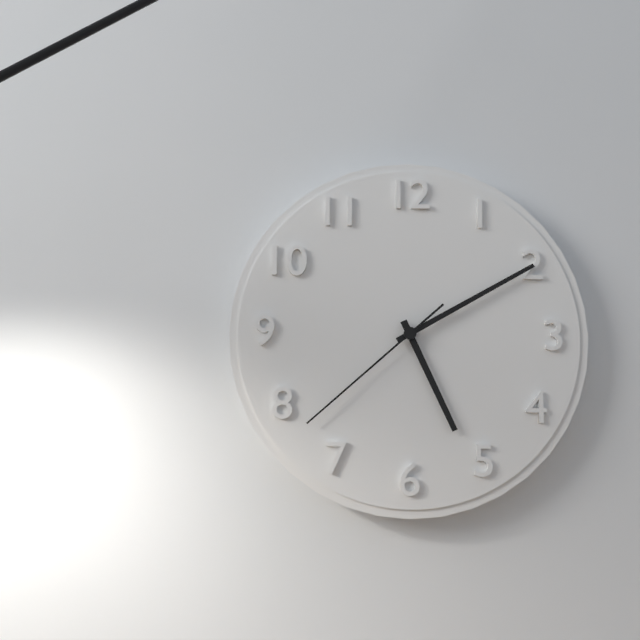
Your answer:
{"hour": 5, "minute": 10, "second": 38}
